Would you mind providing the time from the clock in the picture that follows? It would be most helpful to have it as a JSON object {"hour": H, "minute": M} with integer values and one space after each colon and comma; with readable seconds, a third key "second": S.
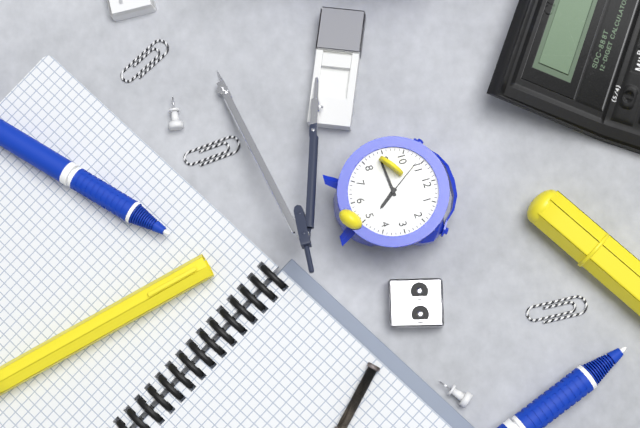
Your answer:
{"hour": 4, "minute": 44}
